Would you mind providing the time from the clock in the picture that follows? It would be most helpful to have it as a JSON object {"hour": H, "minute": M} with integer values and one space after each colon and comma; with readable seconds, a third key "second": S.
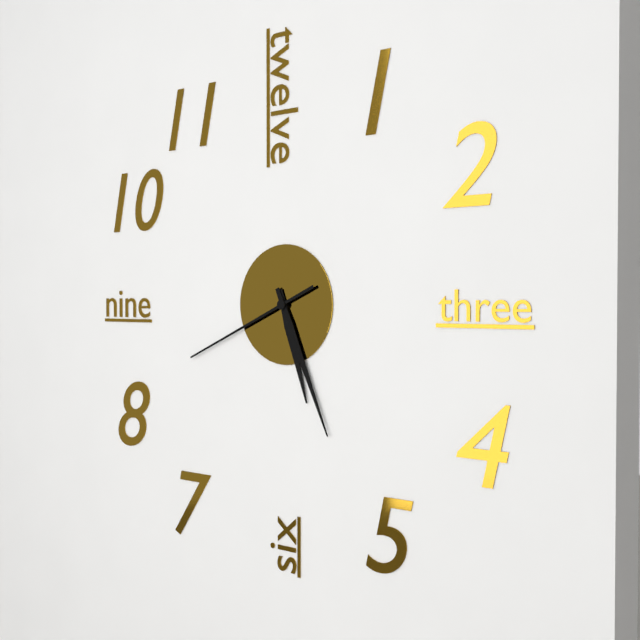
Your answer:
{"hour": 5, "minute": 26, "second": 41}
